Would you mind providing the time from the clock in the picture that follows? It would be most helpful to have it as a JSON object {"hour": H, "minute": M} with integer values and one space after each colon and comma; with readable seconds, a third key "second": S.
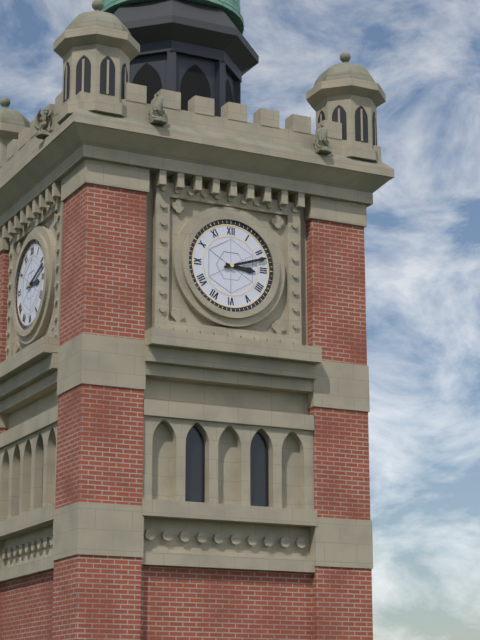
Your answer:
{"hour": 3, "minute": 12}
